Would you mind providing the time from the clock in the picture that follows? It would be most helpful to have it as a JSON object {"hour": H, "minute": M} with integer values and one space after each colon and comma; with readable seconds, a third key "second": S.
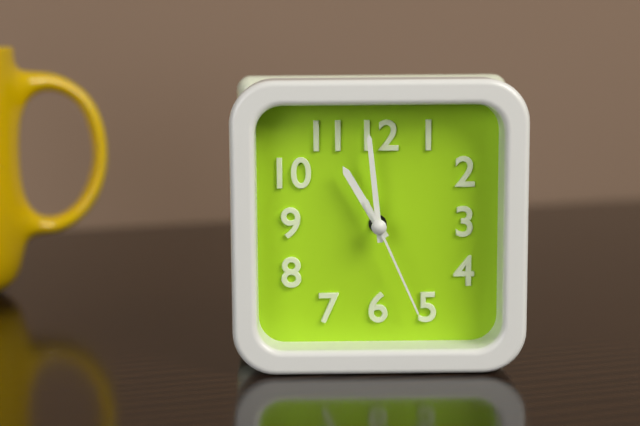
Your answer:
{"hour": 10, "minute": 59, "second": 26}
